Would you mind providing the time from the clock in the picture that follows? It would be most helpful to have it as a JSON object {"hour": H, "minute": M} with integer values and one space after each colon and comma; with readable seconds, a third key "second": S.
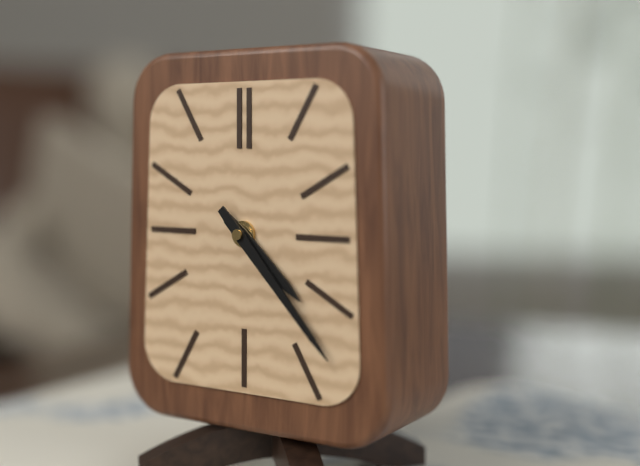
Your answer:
{"hour": 4, "minute": 23}
